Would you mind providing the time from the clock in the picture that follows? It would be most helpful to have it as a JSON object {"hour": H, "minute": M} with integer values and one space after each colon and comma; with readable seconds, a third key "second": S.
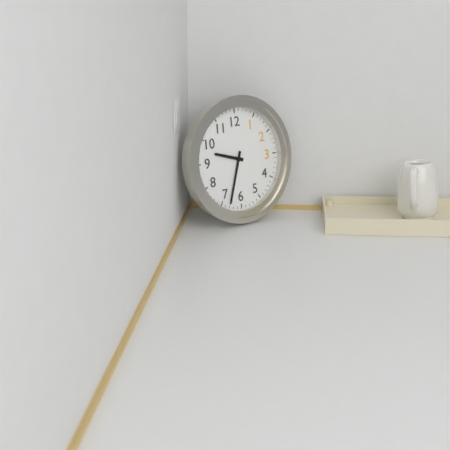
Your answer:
{"hour": 9, "minute": 33}
